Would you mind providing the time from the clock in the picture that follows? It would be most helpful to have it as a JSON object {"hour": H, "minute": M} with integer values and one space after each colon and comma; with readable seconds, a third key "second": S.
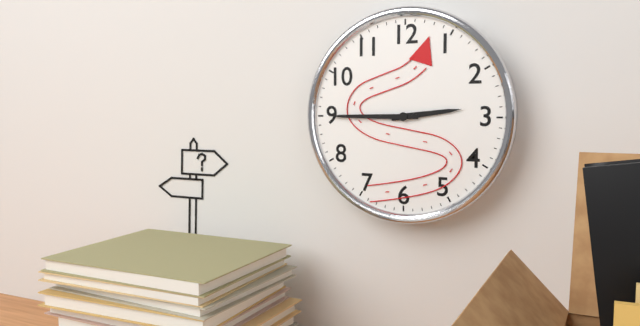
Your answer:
{"hour": 2, "minute": 45}
